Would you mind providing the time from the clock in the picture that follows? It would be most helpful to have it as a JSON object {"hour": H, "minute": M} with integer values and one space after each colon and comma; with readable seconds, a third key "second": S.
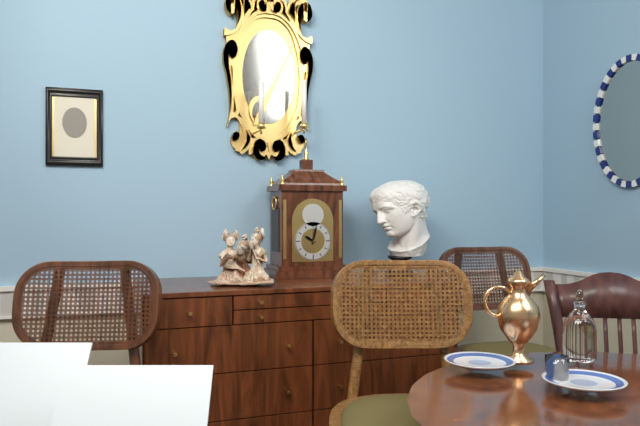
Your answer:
{"hour": 10, "minute": 2}
